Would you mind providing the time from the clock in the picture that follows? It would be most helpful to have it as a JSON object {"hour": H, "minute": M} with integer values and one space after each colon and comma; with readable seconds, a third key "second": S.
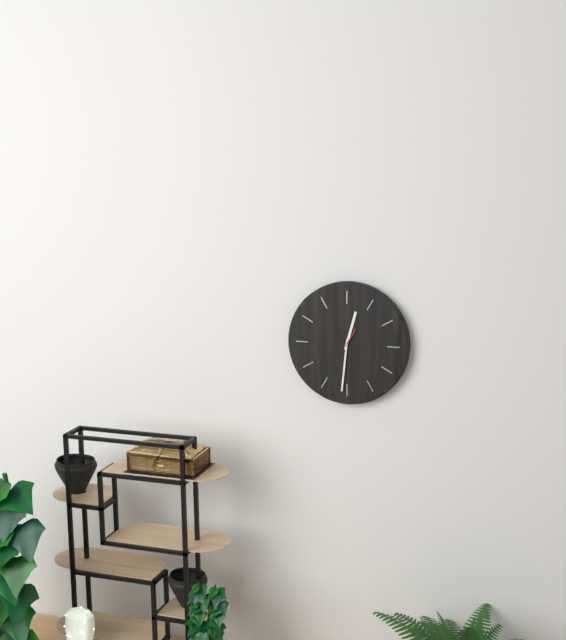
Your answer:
{"hour": 12, "minute": 31}
